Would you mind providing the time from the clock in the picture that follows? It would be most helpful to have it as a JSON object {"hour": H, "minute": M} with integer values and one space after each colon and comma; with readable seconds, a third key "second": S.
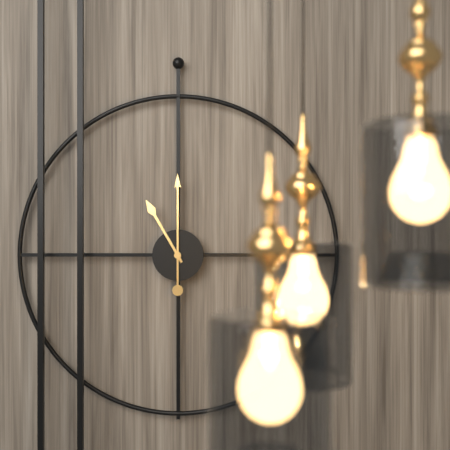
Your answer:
{"hour": 11, "minute": 0}
